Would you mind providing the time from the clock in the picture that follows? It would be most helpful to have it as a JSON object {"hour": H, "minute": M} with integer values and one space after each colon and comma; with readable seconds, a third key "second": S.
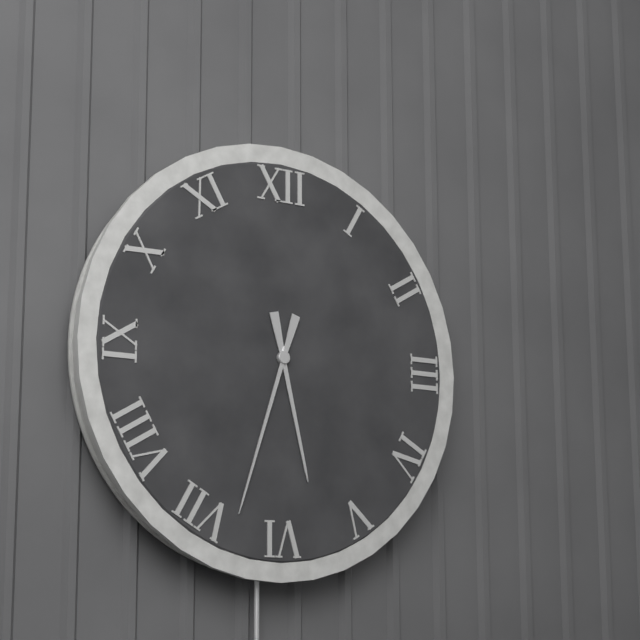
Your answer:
{"hour": 5, "minute": 33}
